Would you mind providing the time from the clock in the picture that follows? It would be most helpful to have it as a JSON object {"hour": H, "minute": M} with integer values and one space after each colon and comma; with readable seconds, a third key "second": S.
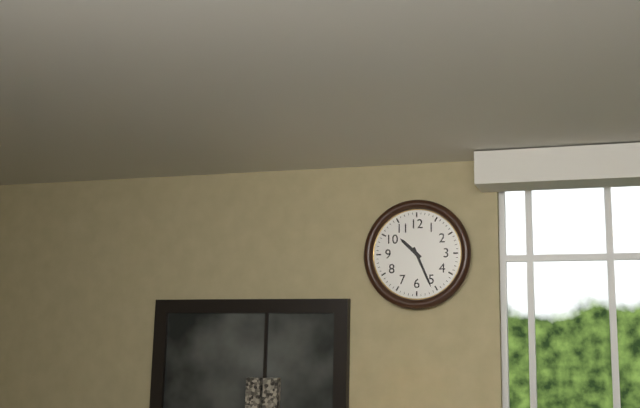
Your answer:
{"hour": 10, "minute": 26}
